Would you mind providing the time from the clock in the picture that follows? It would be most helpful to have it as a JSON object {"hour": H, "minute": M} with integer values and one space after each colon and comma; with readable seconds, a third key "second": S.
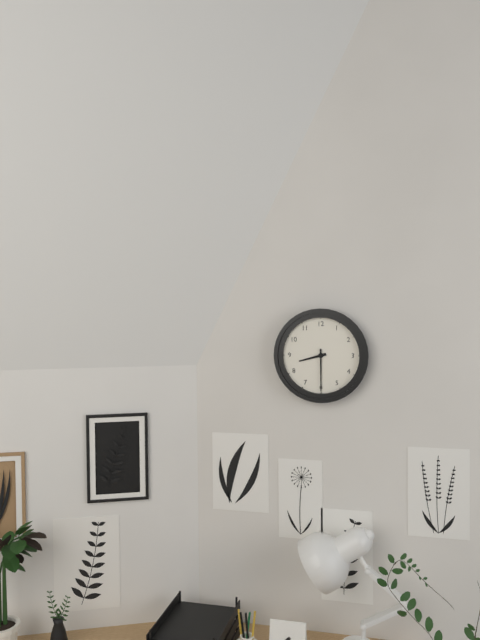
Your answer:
{"hour": 8, "minute": 30}
